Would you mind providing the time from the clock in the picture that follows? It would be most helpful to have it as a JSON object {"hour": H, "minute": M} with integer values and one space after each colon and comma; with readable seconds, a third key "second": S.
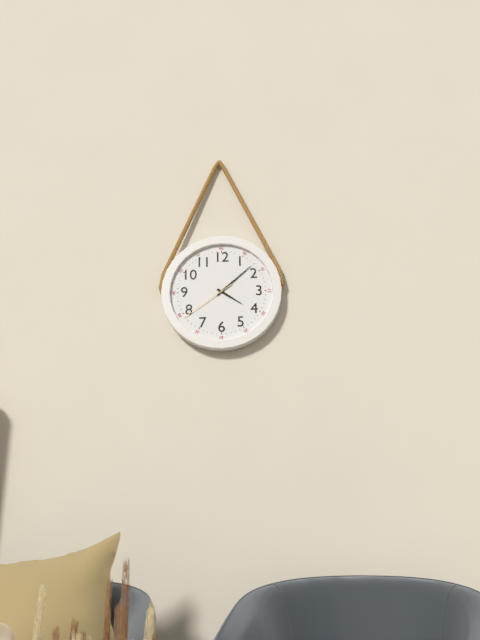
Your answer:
{"hour": 4, "minute": 8, "second": 39}
